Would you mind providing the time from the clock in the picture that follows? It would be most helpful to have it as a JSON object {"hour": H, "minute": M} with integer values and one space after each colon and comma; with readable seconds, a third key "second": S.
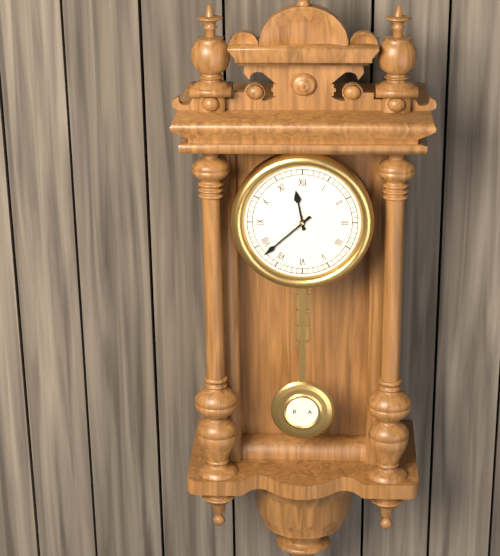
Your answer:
{"hour": 11, "minute": 38}
